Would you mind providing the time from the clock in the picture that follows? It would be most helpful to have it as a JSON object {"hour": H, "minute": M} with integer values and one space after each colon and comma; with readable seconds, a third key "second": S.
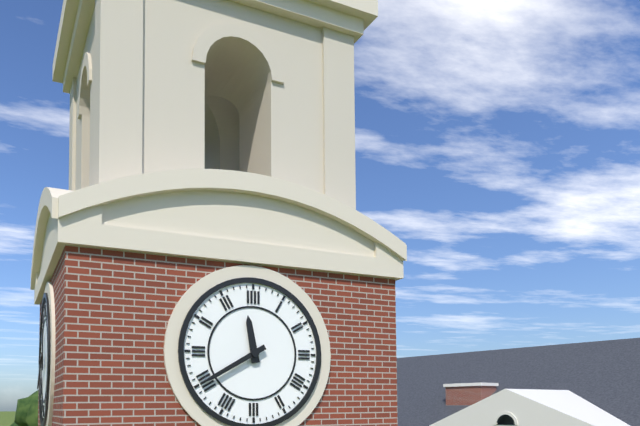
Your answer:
{"hour": 11, "minute": 40}
